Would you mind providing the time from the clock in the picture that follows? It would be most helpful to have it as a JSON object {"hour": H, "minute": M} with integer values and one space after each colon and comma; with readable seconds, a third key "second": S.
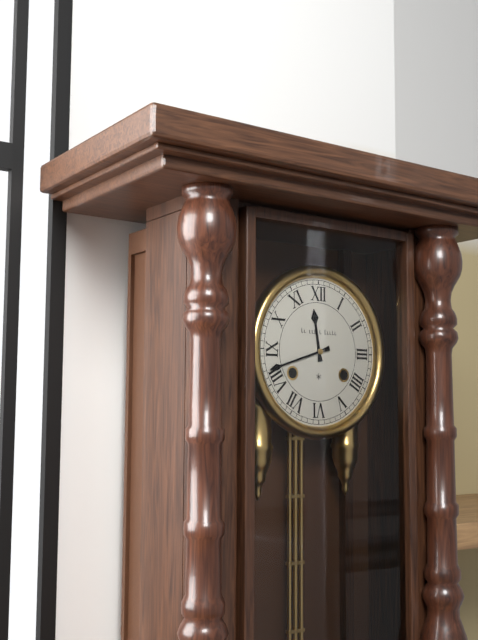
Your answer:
{"hour": 11, "minute": 42}
